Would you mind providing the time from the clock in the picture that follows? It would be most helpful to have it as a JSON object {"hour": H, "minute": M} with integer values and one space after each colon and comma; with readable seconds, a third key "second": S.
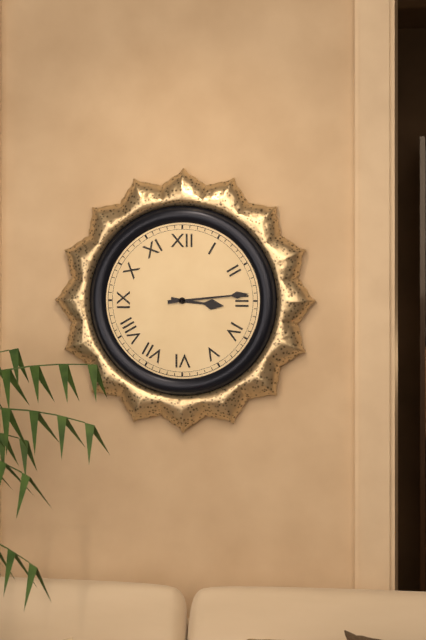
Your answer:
{"hour": 3, "minute": 14}
